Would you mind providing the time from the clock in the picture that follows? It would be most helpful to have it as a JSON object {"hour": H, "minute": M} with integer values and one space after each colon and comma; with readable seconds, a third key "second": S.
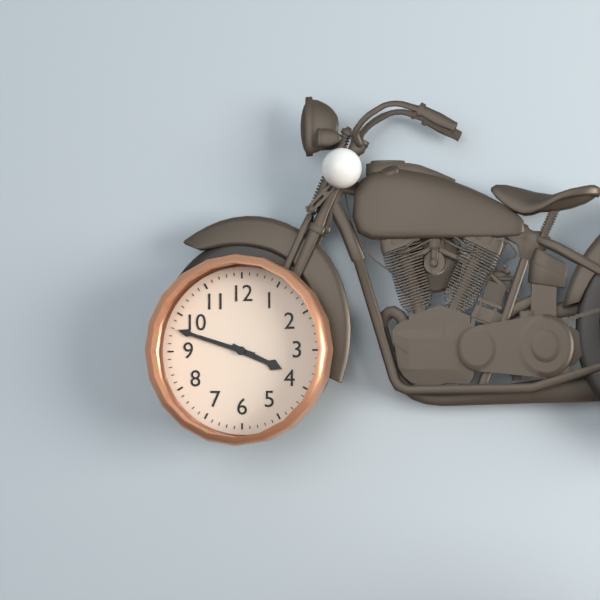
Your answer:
{"hour": 3, "minute": 48}
